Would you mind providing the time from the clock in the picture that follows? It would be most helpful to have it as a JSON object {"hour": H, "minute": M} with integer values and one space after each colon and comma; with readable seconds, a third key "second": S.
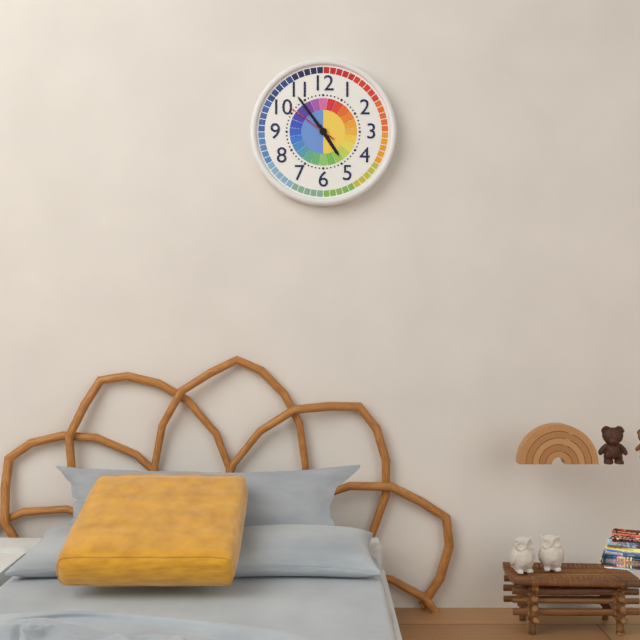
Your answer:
{"hour": 4, "minute": 54, "second": 51}
